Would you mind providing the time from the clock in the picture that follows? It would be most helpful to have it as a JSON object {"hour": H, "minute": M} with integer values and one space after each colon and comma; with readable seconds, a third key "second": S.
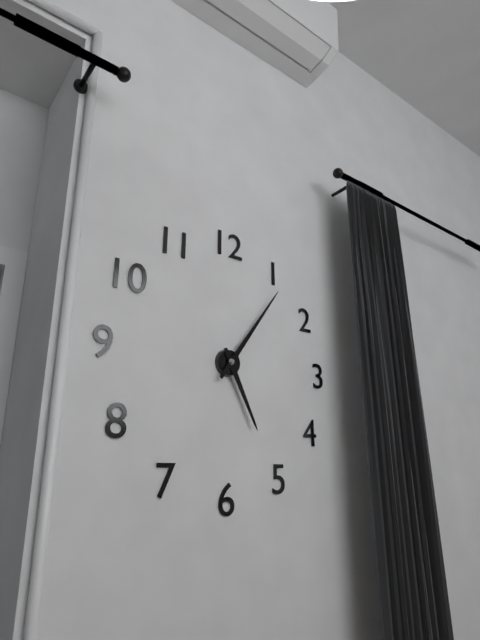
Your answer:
{"hour": 5, "minute": 6}
